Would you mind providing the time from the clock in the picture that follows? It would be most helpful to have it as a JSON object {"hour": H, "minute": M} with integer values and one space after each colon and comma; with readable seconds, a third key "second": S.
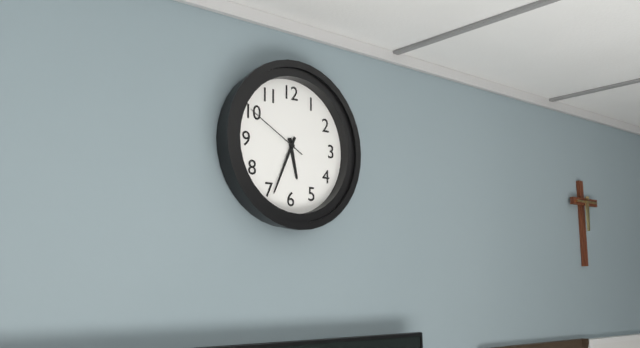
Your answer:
{"hour": 5, "minute": 34, "second": 50}
